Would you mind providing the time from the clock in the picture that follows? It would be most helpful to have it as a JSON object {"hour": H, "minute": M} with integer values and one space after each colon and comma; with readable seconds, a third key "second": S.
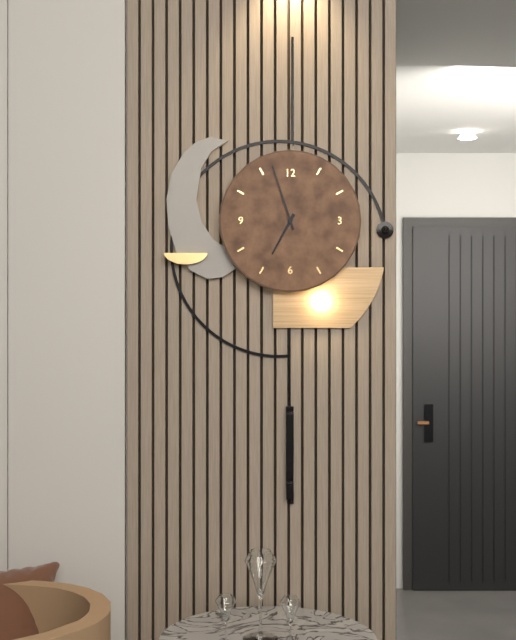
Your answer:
{"hour": 6, "minute": 57}
